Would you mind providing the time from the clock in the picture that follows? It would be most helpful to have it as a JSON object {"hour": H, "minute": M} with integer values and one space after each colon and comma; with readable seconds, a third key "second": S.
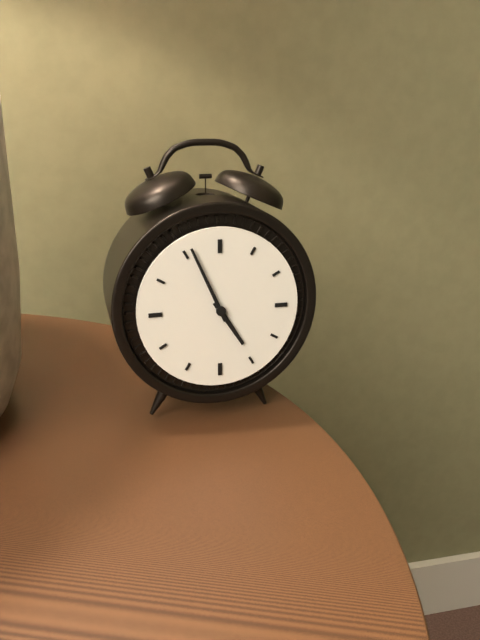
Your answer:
{"hour": 4, "minute": 56}
